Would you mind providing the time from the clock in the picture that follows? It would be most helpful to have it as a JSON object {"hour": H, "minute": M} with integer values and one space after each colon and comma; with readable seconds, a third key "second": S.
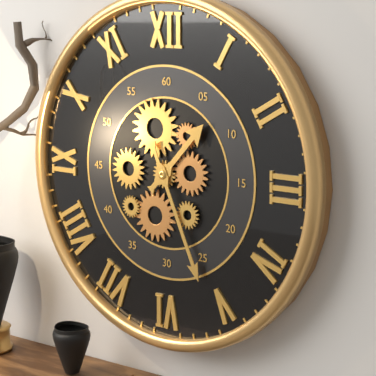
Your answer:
{"hour": 1, "minute": 26}
